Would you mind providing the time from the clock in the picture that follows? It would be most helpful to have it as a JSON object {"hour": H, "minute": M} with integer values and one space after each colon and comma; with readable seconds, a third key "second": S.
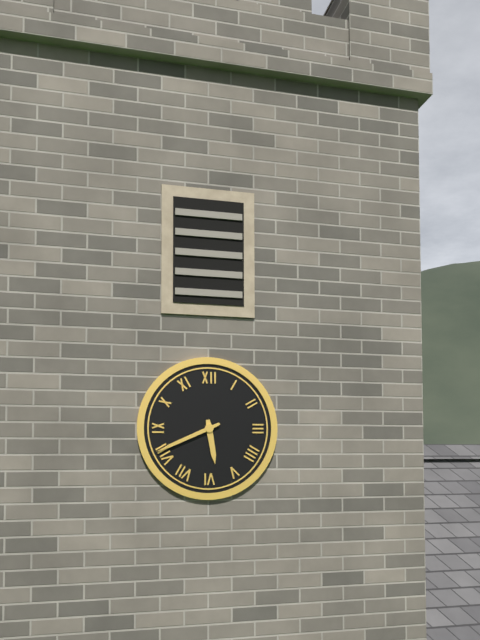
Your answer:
{"hour": 5, "minute": 41}
